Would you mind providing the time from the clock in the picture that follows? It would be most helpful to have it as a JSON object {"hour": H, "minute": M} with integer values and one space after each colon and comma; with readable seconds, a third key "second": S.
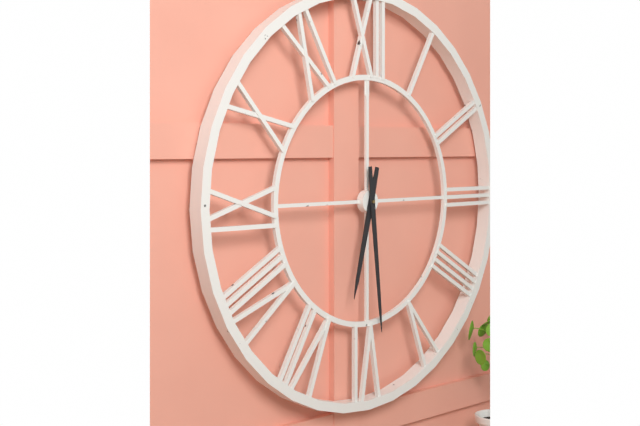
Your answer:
{"hour": 6, "minute": 29}
